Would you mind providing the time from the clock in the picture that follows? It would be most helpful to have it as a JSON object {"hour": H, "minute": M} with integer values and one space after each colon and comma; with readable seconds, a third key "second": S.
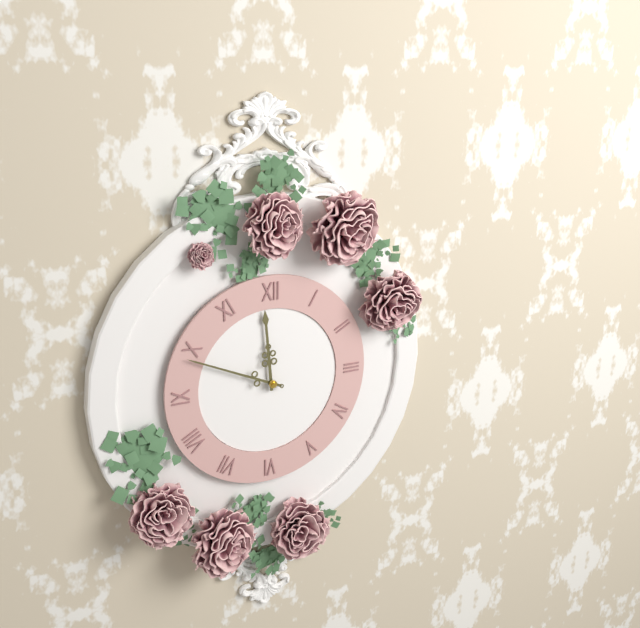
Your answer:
{"hour": 11, "minute": 49}
